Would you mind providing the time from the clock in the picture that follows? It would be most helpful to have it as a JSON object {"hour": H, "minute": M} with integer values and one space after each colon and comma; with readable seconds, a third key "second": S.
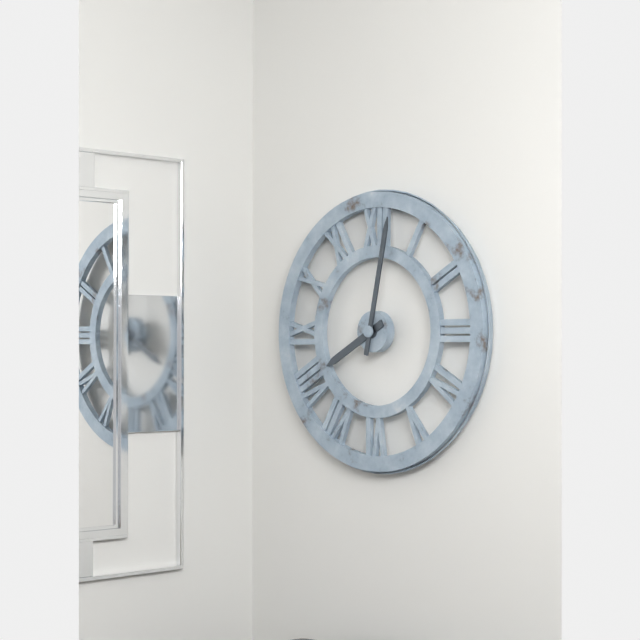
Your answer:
{"hour": 8, "minute": 2}
